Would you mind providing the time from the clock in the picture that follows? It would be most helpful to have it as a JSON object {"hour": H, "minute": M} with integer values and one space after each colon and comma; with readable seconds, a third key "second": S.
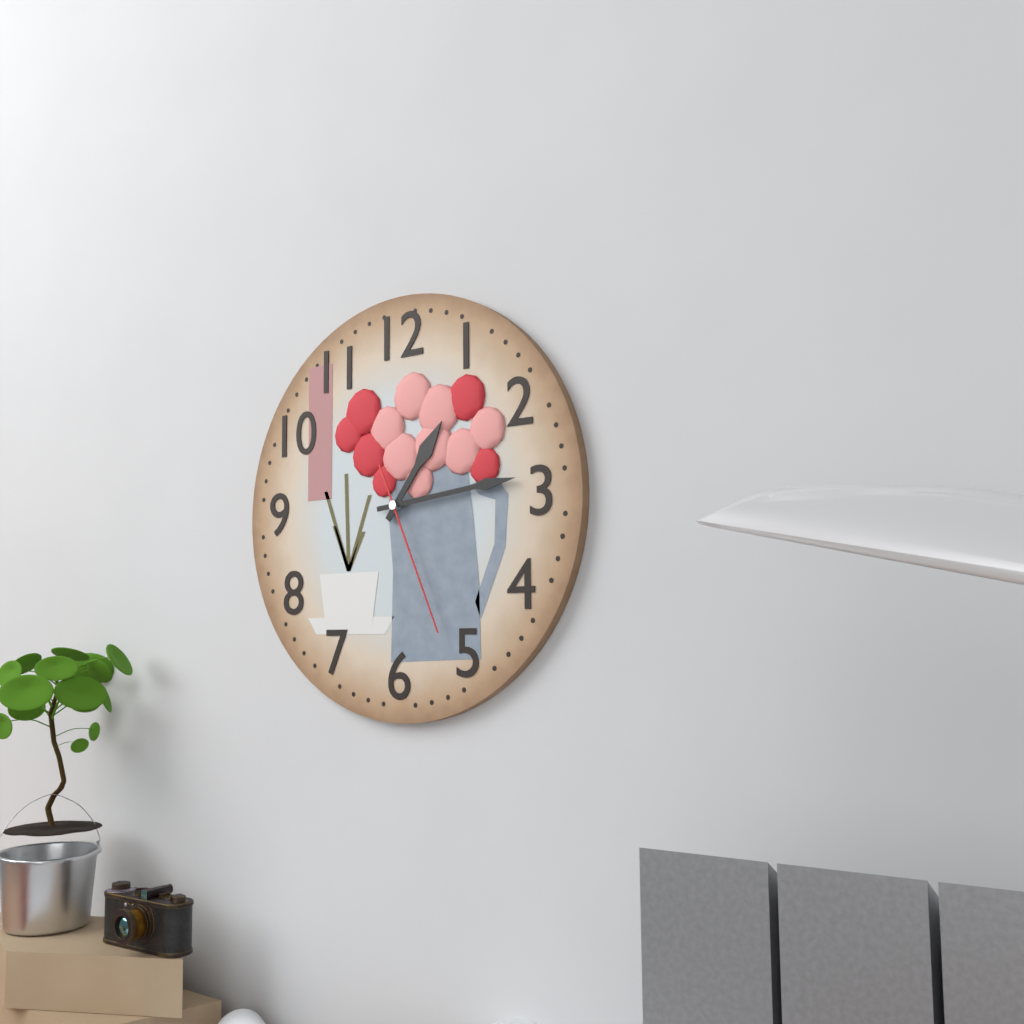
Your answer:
{"hour": 1, "minute": 14, "second": 26}
